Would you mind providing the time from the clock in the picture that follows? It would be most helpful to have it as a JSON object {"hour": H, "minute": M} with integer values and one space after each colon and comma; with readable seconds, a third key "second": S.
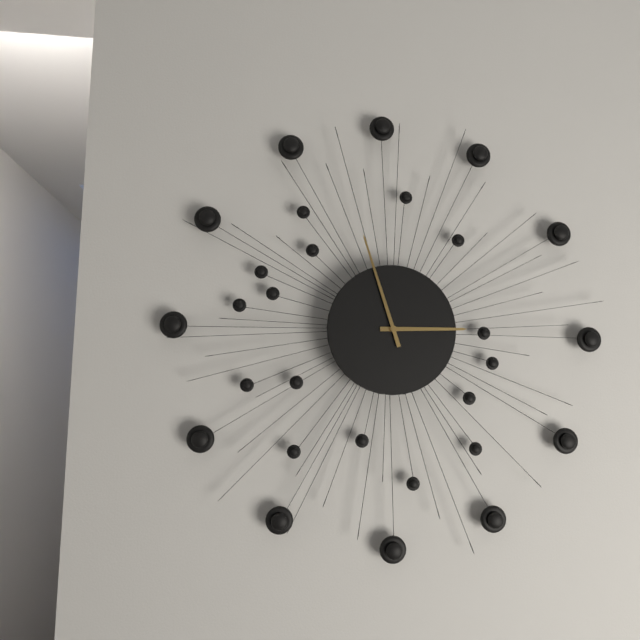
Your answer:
{"hour": 2, "minute": 57}
